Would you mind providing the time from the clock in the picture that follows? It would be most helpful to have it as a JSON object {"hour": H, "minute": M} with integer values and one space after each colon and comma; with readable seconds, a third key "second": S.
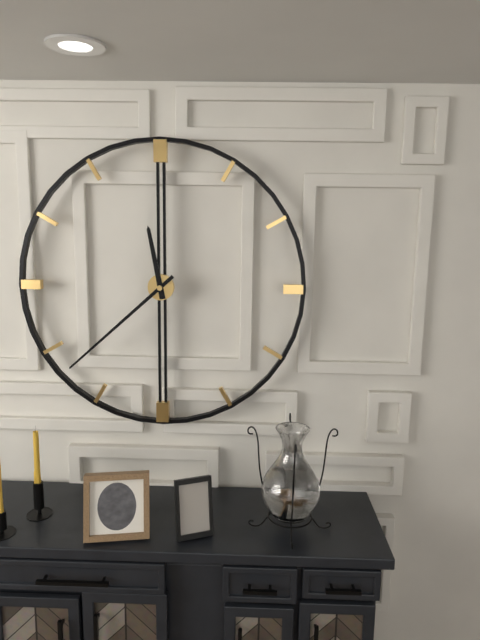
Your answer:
{"hour": 11, "minute": 38}
